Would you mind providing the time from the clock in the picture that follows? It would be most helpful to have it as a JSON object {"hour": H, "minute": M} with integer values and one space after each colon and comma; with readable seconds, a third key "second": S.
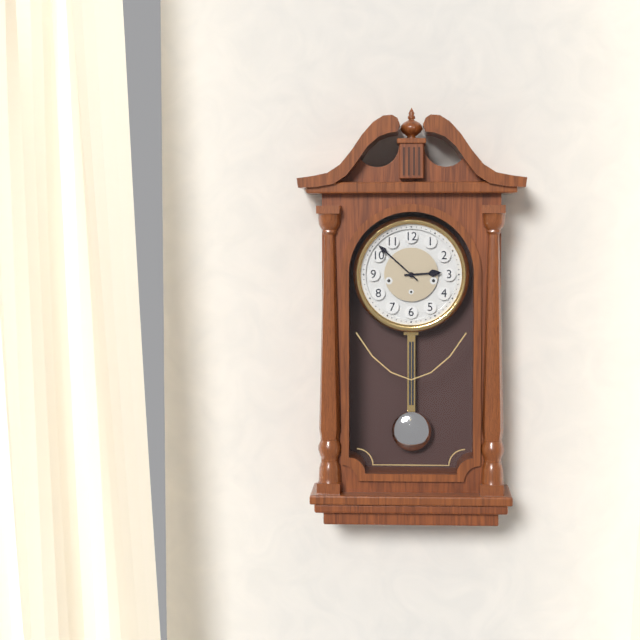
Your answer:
{"hour": 2, "minute": 52}
